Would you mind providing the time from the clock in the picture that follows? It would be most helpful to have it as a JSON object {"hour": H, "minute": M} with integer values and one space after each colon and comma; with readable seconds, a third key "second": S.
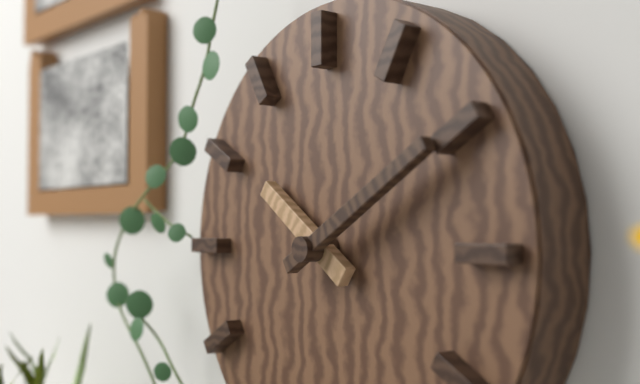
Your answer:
{"hour": 10, "minute": 10}
